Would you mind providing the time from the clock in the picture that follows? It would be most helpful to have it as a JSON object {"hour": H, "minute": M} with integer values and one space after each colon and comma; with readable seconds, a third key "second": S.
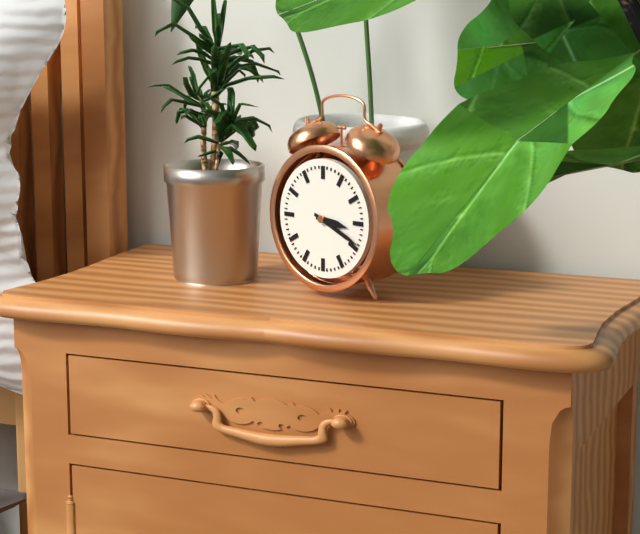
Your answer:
{"hour": 3, "minute": 19}
